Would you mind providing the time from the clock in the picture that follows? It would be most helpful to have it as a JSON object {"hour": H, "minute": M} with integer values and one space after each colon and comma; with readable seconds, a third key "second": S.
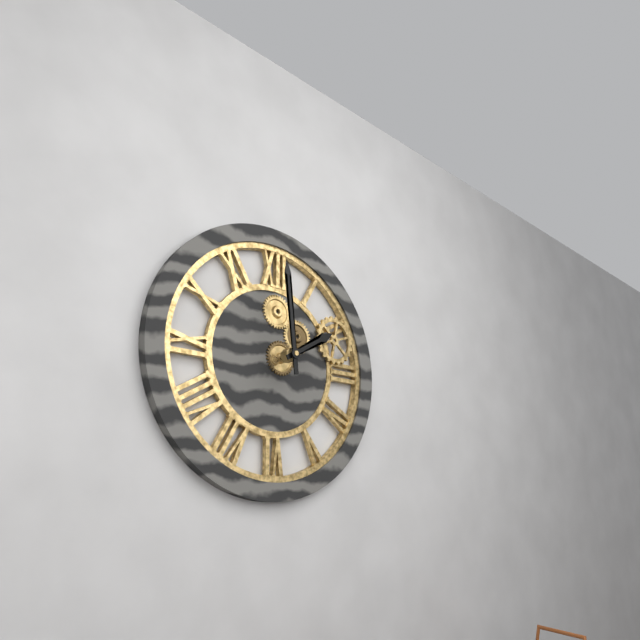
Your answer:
{"hour": 1, "minute": 59}
